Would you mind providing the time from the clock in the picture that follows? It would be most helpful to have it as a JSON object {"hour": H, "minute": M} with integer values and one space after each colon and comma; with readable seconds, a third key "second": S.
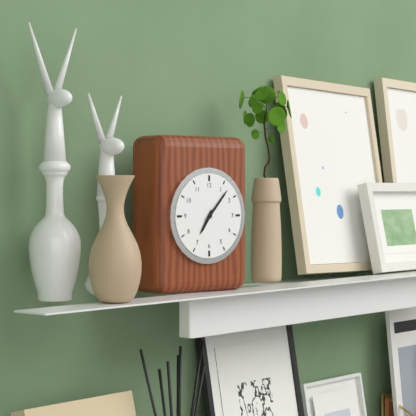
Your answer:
{"hour": 7, "minute": 7}
